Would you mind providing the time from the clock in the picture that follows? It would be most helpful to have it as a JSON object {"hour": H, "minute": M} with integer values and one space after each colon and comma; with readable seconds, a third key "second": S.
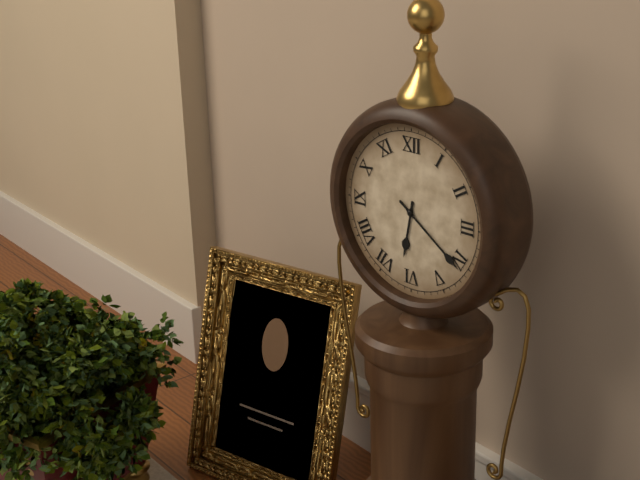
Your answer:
{"hour": 6, "minute": 21}
